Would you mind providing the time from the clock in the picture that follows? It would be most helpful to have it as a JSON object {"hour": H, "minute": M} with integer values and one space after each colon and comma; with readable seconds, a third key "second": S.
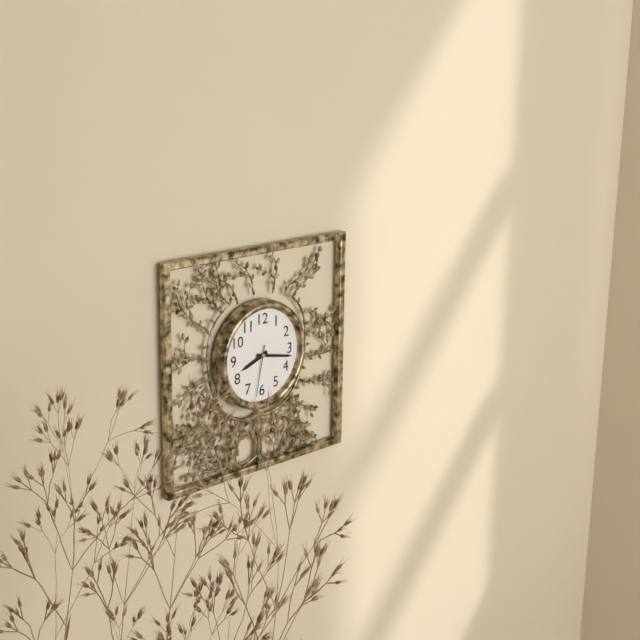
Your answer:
{"hour": 8, "minute": 17, "second": 32}
